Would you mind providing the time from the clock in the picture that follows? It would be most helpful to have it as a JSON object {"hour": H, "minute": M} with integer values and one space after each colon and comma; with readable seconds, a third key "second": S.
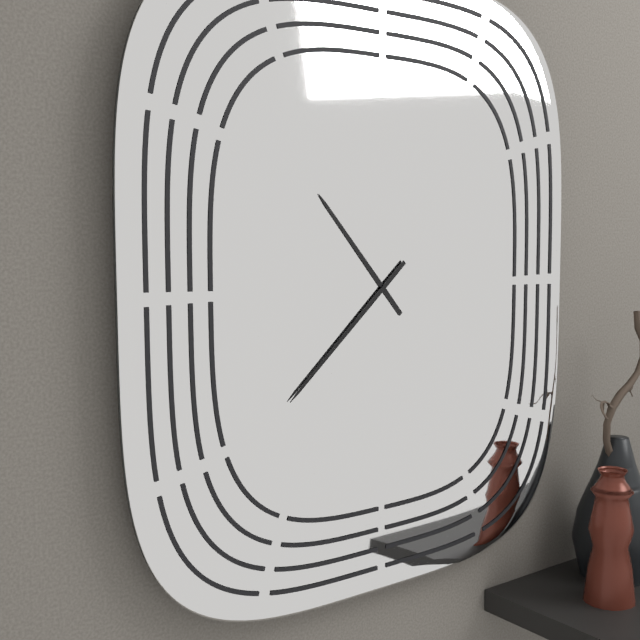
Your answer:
{"hour": 10, "minute": 38}
